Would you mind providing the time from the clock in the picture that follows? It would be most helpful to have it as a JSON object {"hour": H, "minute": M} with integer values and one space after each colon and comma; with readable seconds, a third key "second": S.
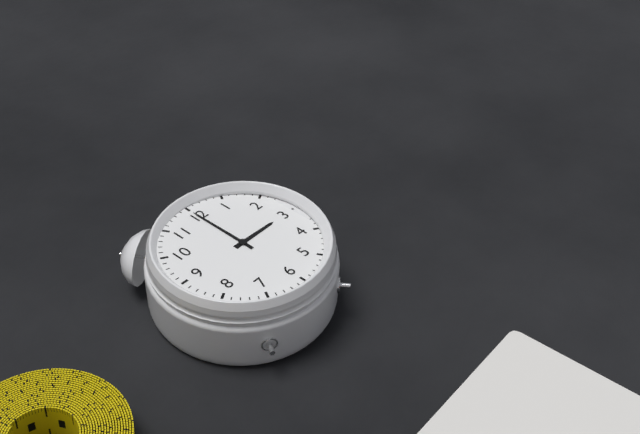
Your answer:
{"hour": 3, "minute": 0}
